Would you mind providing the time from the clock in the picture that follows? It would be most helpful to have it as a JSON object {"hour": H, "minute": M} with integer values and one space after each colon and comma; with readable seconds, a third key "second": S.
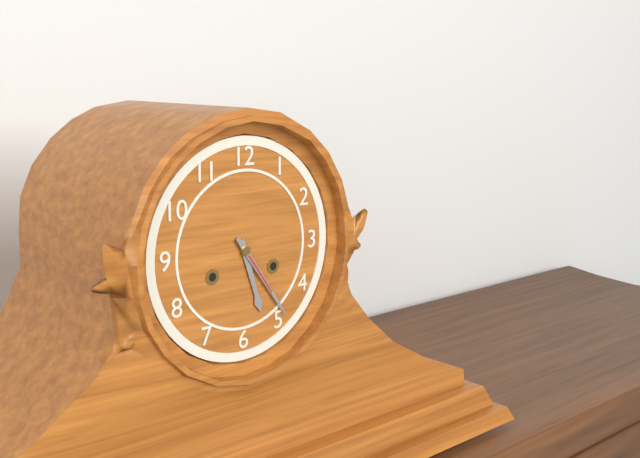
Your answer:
{"hour": 5, "minute": 24}
